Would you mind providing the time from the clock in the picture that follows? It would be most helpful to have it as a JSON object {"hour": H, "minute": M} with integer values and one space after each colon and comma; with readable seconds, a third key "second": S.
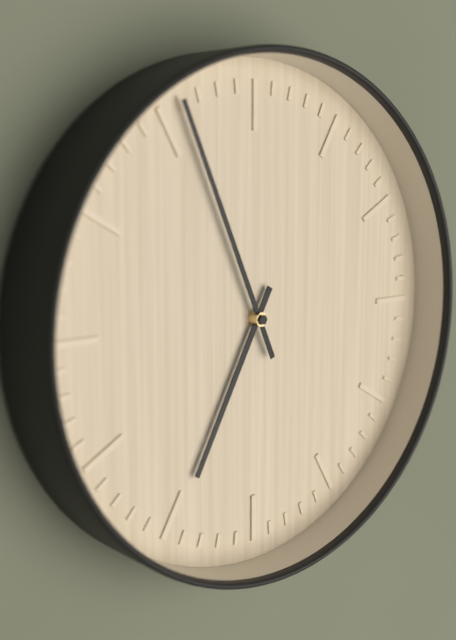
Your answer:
{"hour": 6, "minute": 56}
